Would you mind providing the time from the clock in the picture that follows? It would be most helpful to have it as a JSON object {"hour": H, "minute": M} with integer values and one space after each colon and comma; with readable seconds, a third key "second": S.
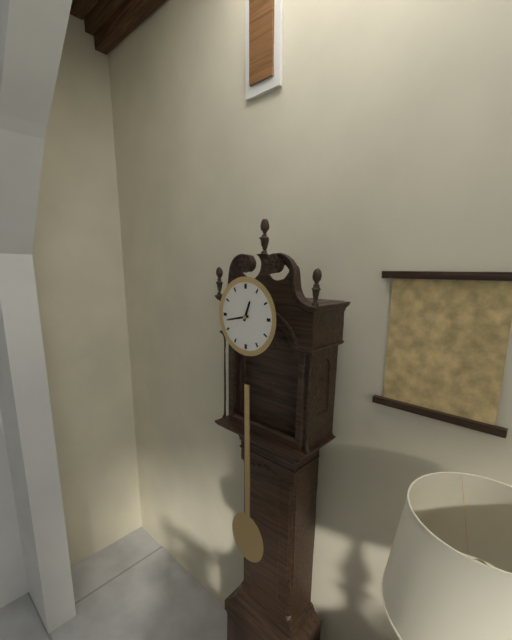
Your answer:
{"hour": 12, "minute": 43}
